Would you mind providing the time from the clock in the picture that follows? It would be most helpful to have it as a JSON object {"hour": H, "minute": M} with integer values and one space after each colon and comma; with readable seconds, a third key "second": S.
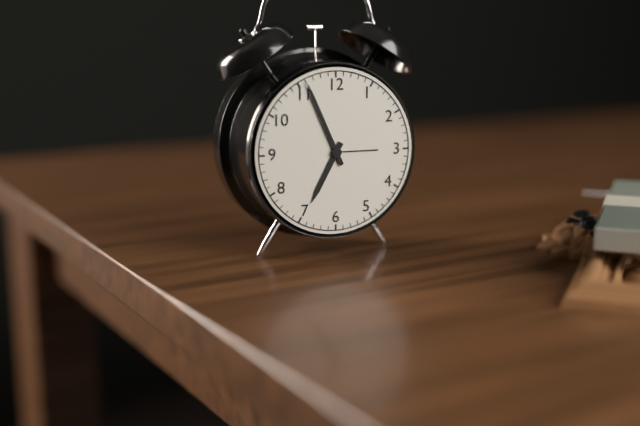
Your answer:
{"hour": 6, "minute": 56}
